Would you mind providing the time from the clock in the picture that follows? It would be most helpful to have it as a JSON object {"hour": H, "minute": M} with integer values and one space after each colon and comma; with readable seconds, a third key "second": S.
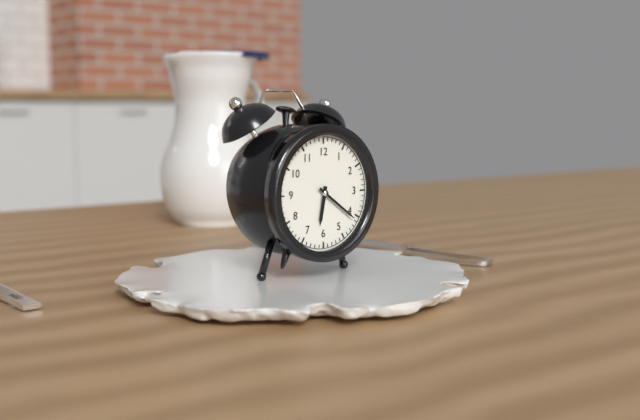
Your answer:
{"hour": 6, "minute": 21}
